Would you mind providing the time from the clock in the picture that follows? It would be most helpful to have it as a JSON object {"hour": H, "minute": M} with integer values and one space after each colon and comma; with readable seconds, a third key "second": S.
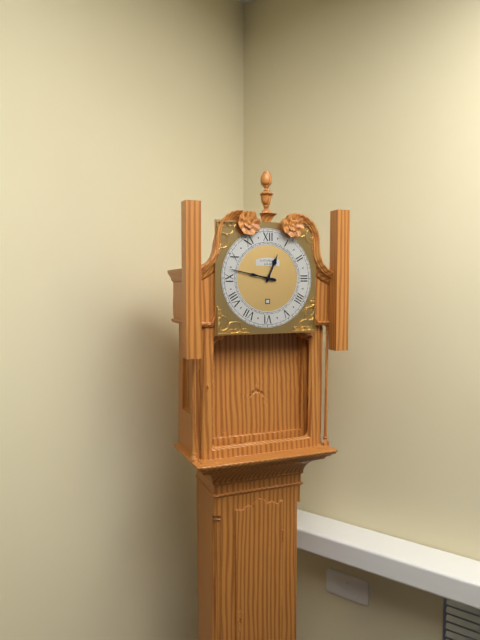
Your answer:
{"hour": 12, "minute": 47}
